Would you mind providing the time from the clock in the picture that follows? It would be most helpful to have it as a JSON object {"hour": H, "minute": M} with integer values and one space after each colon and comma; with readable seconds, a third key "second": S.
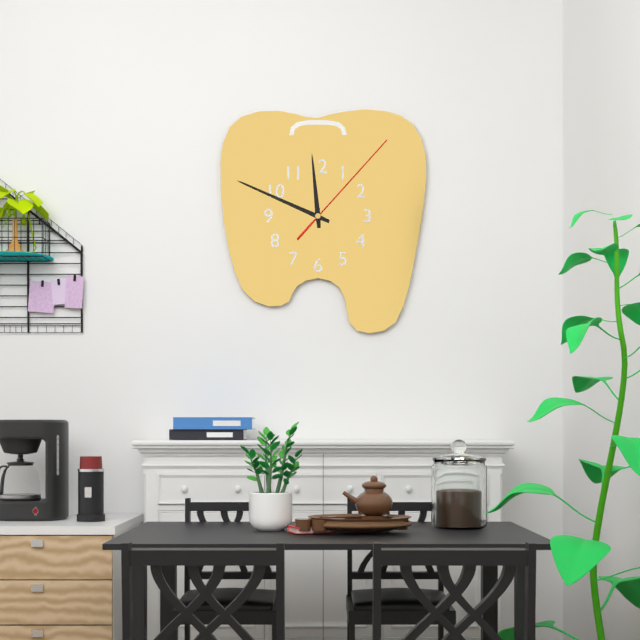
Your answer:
{"hour": 11, "minute": 49, "second": 7}
